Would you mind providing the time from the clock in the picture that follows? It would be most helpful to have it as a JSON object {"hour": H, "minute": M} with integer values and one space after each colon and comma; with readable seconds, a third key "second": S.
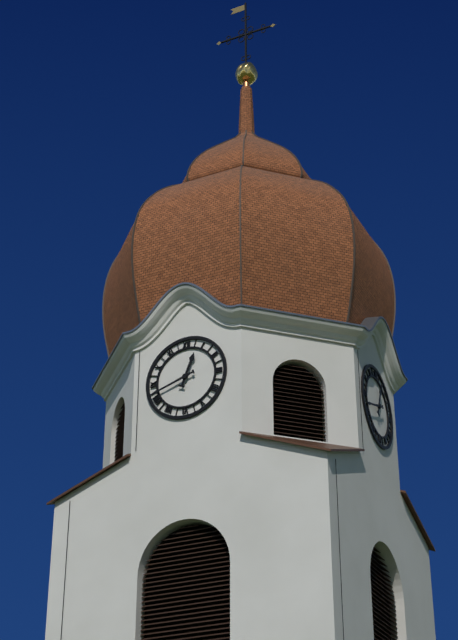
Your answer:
{"hour": 12, "minute": 42}
